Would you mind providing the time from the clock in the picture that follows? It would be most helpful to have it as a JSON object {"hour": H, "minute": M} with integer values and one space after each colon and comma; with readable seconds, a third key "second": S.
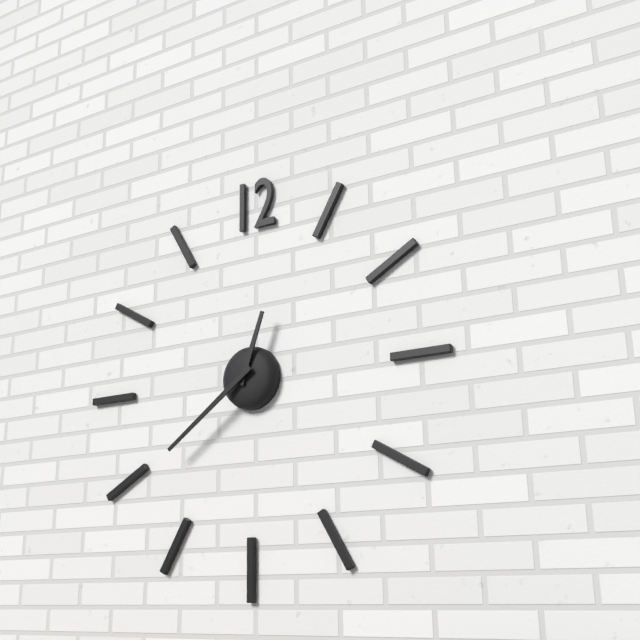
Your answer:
{"hour": 12, "minute": 39}
